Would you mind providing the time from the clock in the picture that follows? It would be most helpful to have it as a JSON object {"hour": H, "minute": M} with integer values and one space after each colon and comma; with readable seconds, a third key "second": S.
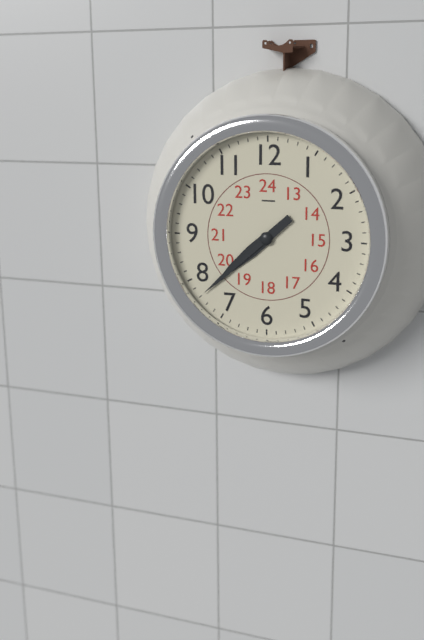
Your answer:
{"hour": 7, "minute": 38}
